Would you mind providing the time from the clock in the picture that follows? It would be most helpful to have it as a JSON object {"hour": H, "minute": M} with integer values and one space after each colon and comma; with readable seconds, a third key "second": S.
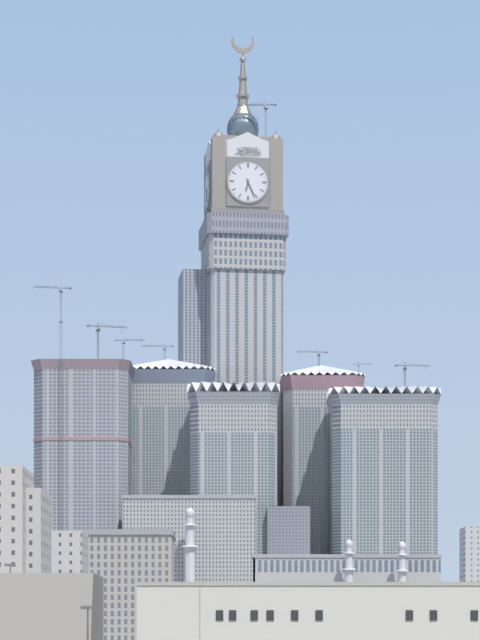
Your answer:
{"hour": 6, "minute": 26}
